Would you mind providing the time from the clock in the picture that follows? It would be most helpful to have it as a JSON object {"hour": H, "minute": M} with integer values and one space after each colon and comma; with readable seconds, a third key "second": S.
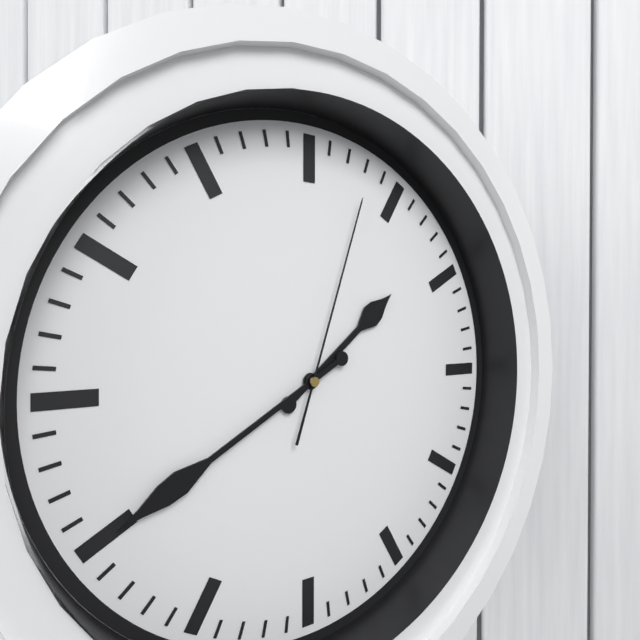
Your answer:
{"hour": 1, "minute": 40, "second": 3}
